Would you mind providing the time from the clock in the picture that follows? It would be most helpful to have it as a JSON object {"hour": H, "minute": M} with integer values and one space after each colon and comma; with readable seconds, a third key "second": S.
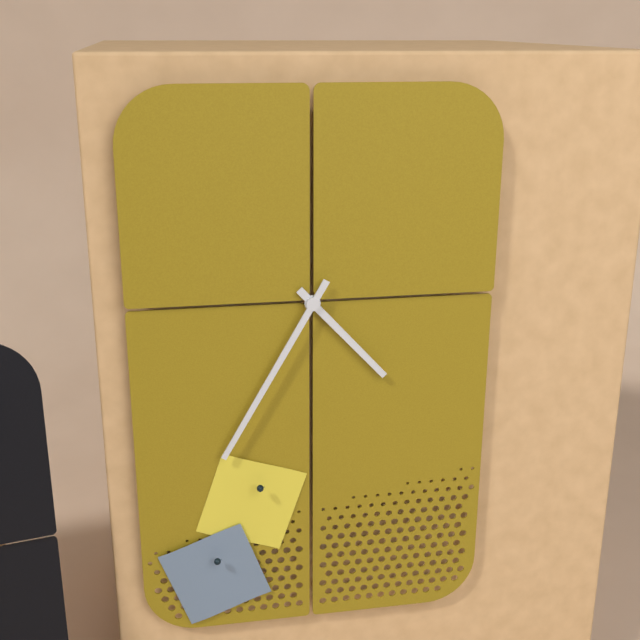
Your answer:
{"hour": 4, "minute": 35}
